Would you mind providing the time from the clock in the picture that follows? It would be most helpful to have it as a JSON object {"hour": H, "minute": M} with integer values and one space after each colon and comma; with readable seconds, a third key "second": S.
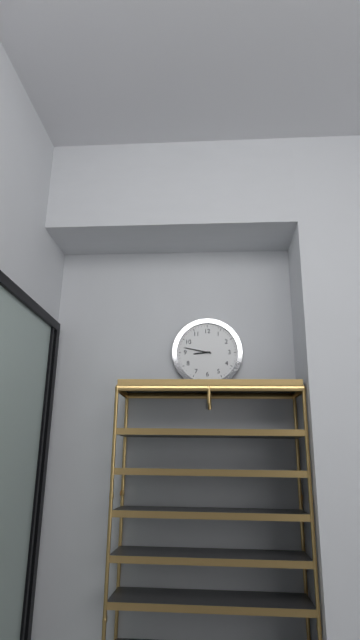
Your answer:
{"hour": 8, "minute": 47}
